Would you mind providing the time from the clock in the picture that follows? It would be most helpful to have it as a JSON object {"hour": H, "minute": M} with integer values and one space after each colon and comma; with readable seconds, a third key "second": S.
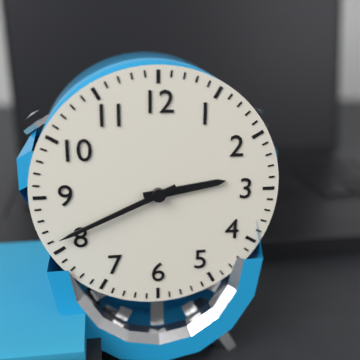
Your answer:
{"hour": 2, "minute": 41}
